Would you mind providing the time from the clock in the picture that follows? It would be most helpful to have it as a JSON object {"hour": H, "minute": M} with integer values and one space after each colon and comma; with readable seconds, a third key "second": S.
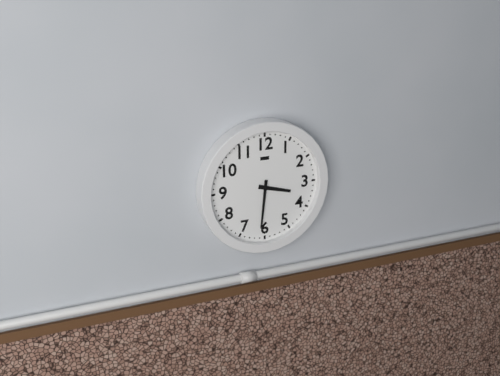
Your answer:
{"hour": 3, "minute": 31}
